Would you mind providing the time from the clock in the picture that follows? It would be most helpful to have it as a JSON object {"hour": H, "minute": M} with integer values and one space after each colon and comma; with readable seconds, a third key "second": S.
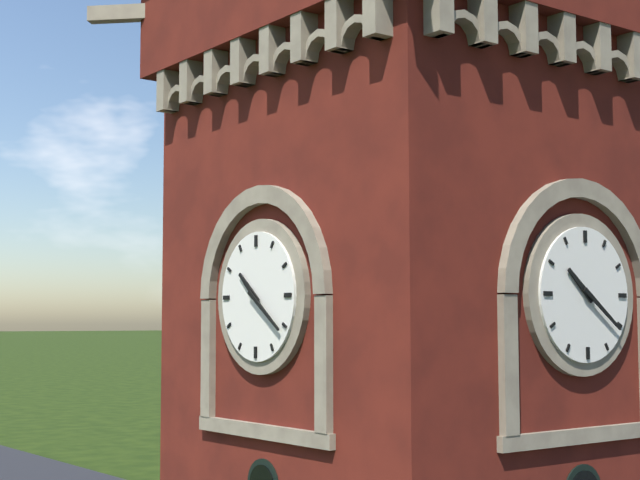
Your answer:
{"hour": 10, "minute": 21}
